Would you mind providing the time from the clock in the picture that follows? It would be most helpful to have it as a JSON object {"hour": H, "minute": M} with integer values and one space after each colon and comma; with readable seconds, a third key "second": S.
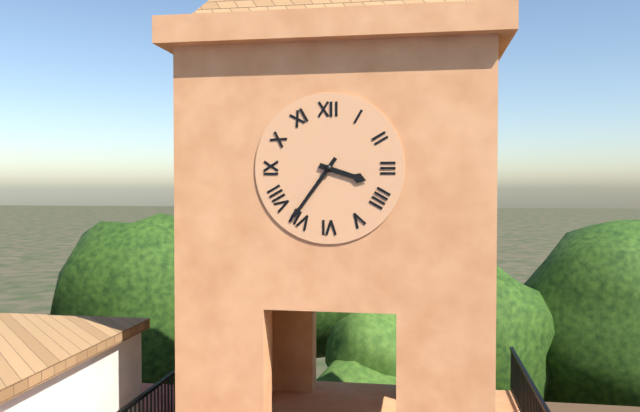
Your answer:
{"hour": 3, "minute": 36}
